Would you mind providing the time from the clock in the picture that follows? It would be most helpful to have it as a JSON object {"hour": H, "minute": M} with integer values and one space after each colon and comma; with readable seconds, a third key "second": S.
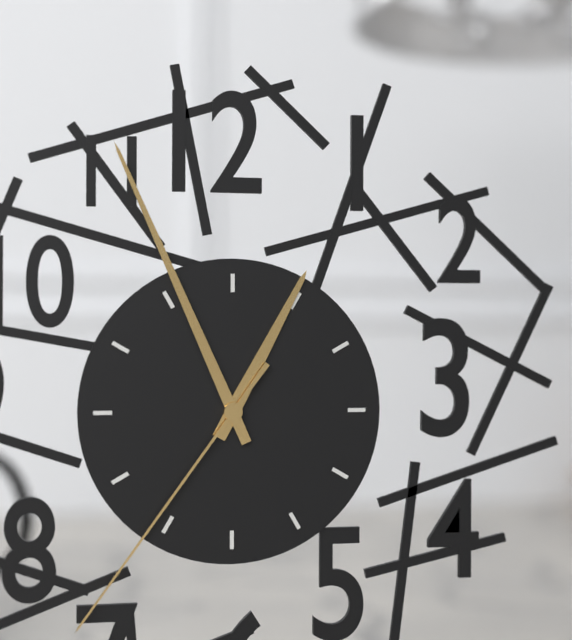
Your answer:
{"hour": 12, "minute": 56, "second": 36}
